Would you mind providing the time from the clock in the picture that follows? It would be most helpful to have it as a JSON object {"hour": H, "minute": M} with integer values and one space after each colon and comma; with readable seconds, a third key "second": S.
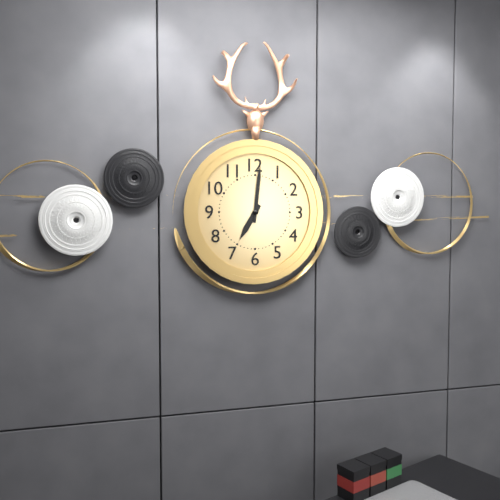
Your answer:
{"hour": 7, "minute": 1}
